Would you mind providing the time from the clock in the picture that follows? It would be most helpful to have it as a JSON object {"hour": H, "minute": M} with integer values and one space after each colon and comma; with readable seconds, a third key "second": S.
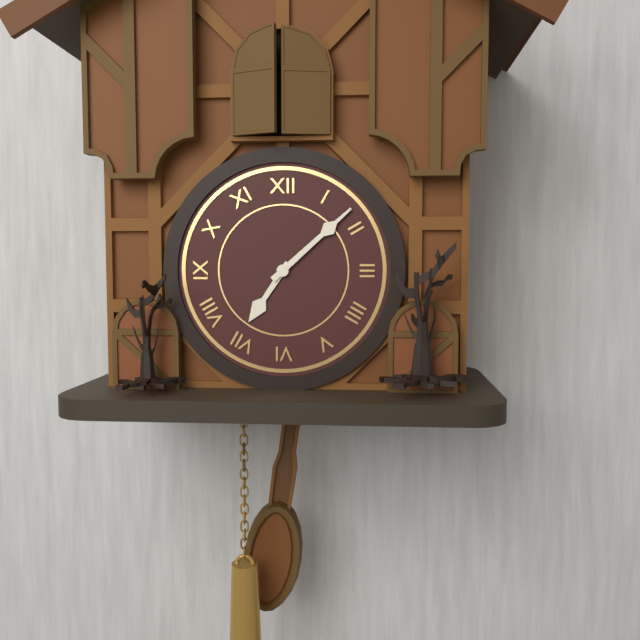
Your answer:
{"hour": 7, "minute": 8}
